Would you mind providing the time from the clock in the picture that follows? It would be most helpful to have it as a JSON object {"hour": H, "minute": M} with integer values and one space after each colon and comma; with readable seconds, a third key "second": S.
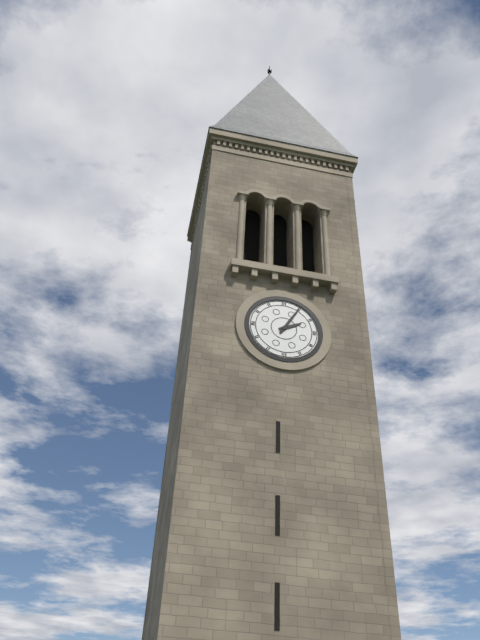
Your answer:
{"hour": 2, "minute": 5}
